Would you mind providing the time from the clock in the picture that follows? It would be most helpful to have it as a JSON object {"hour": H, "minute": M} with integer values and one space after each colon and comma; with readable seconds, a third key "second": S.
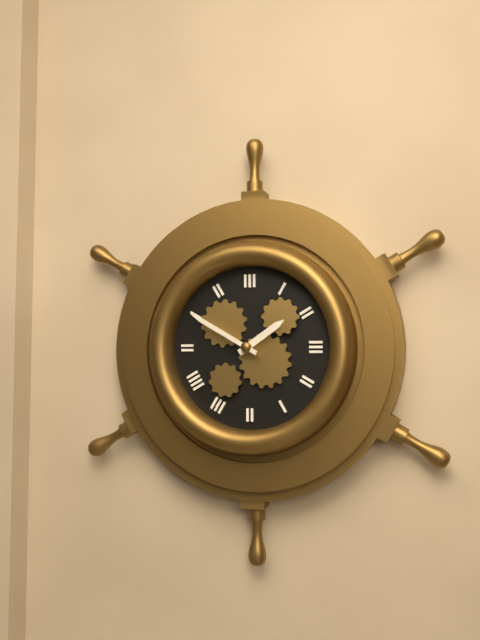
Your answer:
{"hour": 1, "minute": 50}
